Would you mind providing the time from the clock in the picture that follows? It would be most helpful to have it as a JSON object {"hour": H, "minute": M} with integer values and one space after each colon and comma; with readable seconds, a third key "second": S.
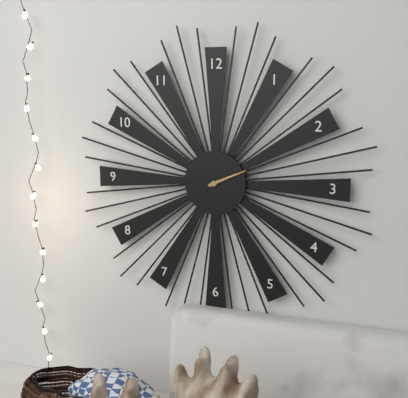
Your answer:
{"hour": 2, "minute": 11}
